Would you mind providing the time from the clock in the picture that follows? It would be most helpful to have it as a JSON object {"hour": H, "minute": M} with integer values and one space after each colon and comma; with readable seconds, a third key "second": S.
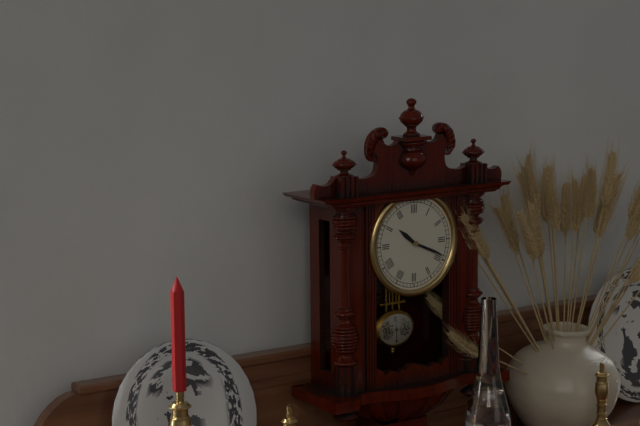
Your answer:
{"hour": 10, "minute": 19}
